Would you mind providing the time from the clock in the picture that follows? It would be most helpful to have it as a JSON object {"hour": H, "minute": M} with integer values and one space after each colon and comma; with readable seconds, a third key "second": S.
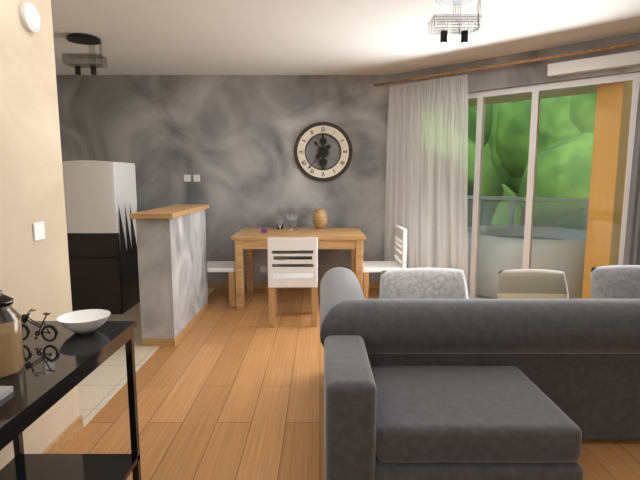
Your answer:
{"hour": 10, "minute": 37}
